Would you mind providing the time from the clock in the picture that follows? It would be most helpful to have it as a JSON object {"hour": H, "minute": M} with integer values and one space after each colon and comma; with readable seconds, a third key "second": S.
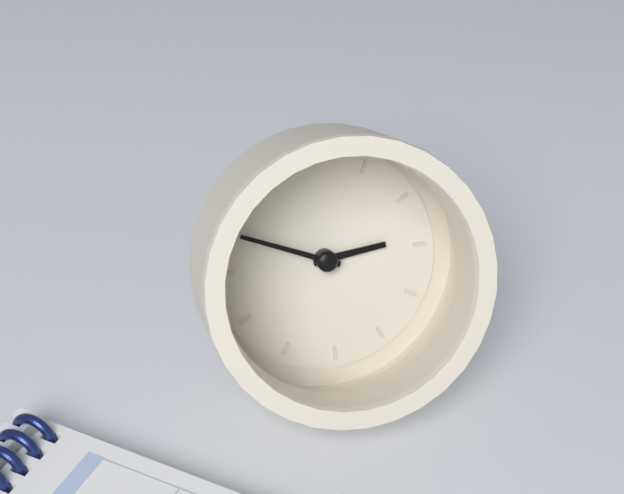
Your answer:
{"hour": 2, "minute": 49}
